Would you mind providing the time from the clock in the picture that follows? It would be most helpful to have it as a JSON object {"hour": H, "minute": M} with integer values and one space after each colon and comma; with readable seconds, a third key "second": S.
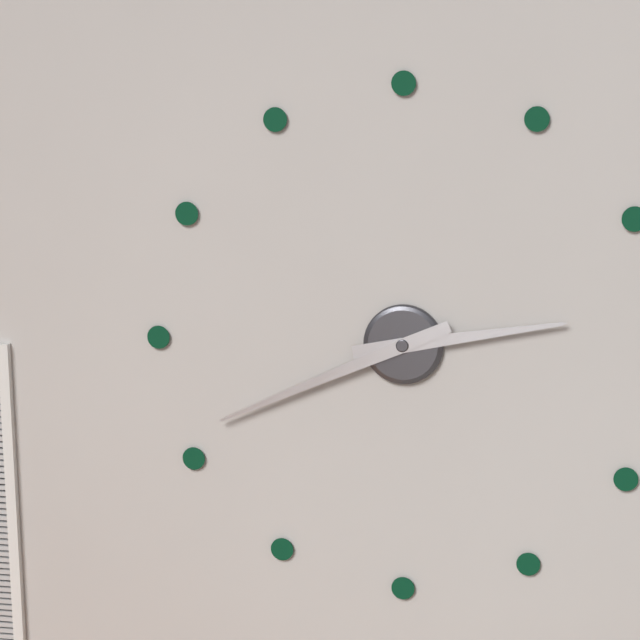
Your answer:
{"hour": 2, "minute": 41}
